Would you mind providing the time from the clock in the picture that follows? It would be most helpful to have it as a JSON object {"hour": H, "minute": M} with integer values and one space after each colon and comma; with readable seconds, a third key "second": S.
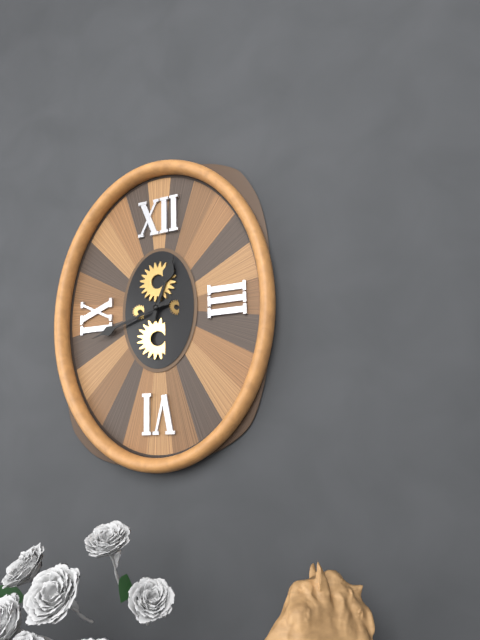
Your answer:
{"hour": 12, "minute": 42}
